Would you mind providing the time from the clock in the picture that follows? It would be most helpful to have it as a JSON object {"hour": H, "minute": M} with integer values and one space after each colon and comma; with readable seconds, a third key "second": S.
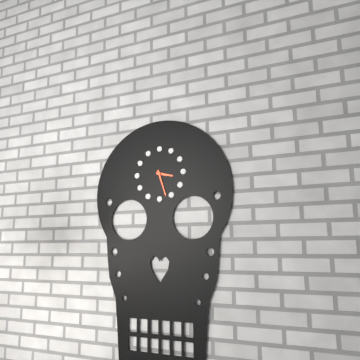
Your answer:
{"hour": 3, "minute": 27}
